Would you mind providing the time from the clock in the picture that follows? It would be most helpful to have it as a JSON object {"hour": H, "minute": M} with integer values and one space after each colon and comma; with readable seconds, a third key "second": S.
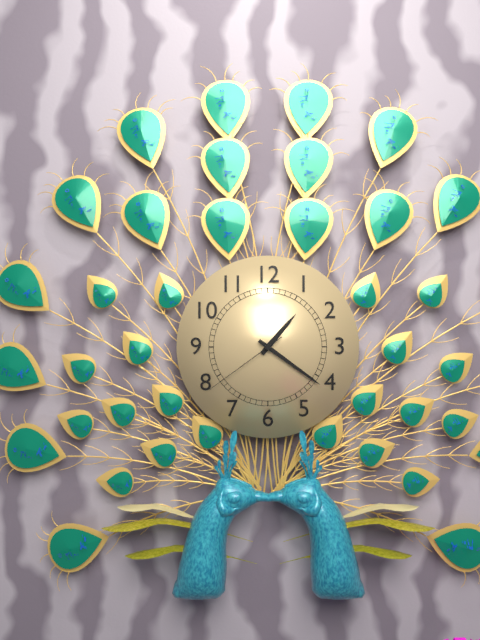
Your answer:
{"hour": 1, "minute": 21, "second": 39}
